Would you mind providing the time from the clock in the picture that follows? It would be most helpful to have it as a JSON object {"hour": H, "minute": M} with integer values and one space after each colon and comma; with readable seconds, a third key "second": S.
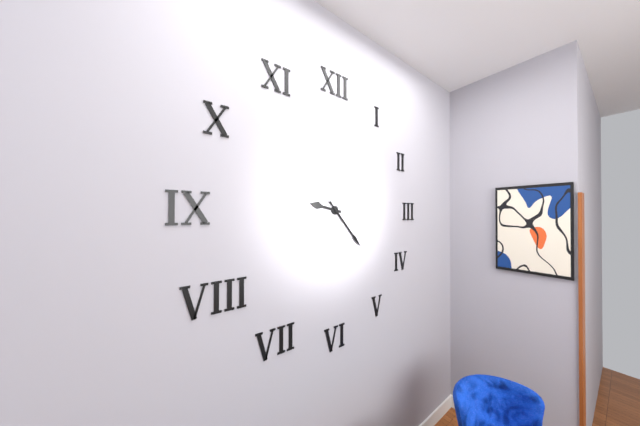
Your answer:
{"hour": 9, "minute": 23}
